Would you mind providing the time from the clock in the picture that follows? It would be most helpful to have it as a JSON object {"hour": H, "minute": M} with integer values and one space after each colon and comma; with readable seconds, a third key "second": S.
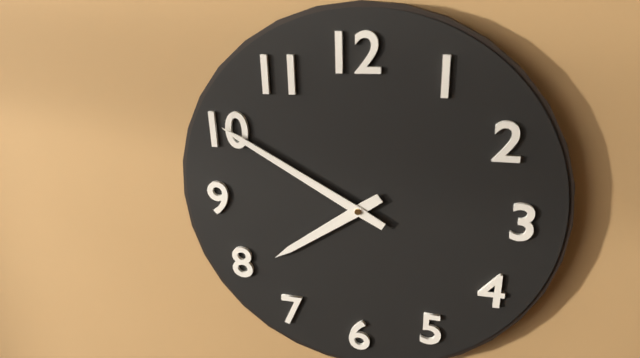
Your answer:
{"hour": 7, "minute": 50}
